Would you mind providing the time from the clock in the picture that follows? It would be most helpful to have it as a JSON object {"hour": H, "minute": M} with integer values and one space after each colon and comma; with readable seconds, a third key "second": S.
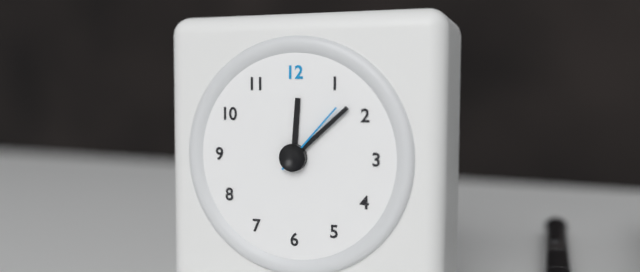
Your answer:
{"hour": 12, "minute": 8, "second": 7}
